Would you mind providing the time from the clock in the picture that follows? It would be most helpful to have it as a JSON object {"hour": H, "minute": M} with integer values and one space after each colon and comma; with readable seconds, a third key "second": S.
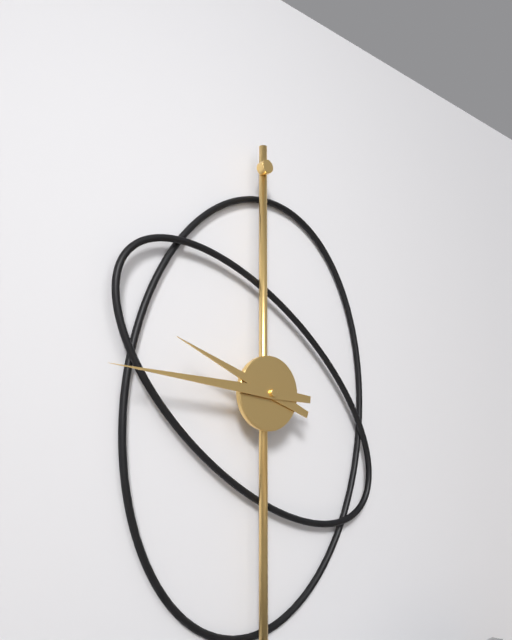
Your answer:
{"hour": 9, "minute": 46}
